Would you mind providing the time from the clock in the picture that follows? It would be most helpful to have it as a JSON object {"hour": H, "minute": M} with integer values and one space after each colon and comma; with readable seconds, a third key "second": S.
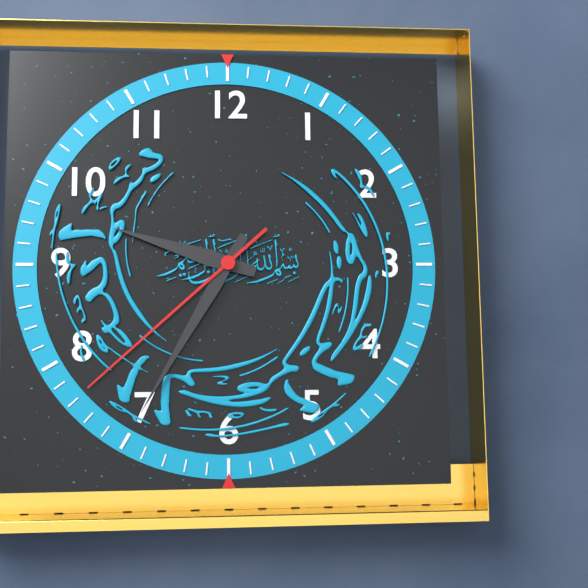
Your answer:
{"hour": 9, "minute": 35, "second": 38}
